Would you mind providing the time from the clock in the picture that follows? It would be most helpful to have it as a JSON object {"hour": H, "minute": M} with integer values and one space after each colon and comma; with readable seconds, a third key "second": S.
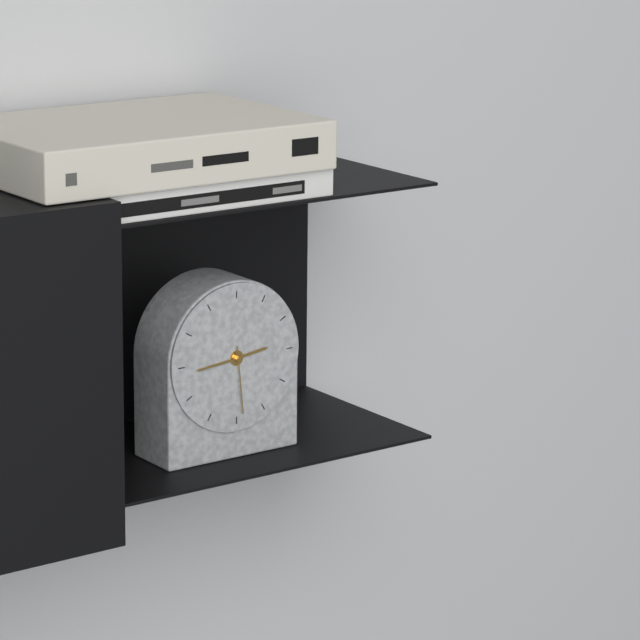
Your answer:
{"hour": 2, "minute": 44, "second": 29}
